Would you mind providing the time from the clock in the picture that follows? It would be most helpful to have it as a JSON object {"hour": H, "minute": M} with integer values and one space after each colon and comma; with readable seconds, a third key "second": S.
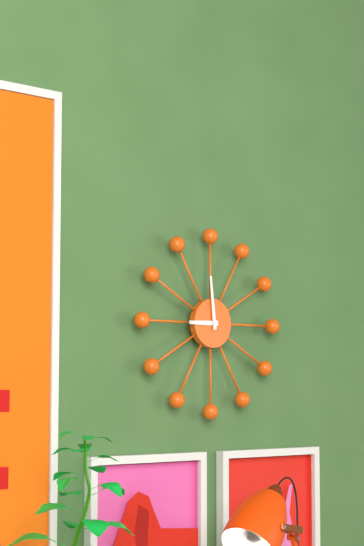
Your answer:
{"hour": 8, "minute": 59}
